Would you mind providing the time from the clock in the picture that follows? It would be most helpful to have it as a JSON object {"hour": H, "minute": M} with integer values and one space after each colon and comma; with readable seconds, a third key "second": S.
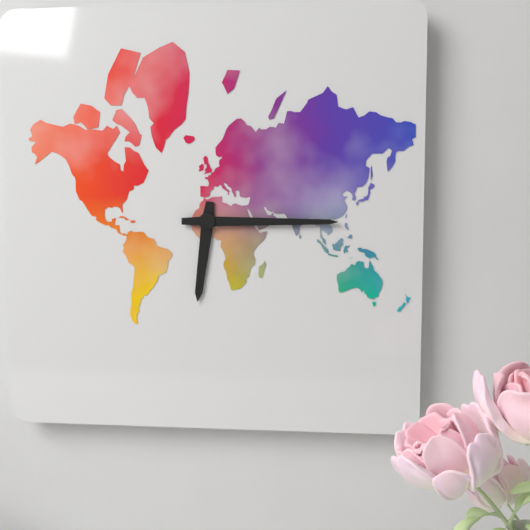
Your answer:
{"hour": 6, "minute": 15}
